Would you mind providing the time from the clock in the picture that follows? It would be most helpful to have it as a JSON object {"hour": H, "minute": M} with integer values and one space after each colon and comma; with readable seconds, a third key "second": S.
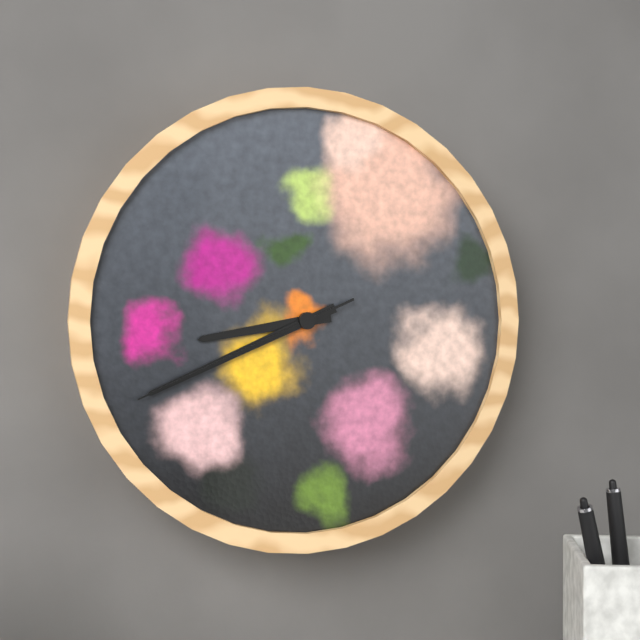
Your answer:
{"hour": 8, "minute": 41, "second": 41}
